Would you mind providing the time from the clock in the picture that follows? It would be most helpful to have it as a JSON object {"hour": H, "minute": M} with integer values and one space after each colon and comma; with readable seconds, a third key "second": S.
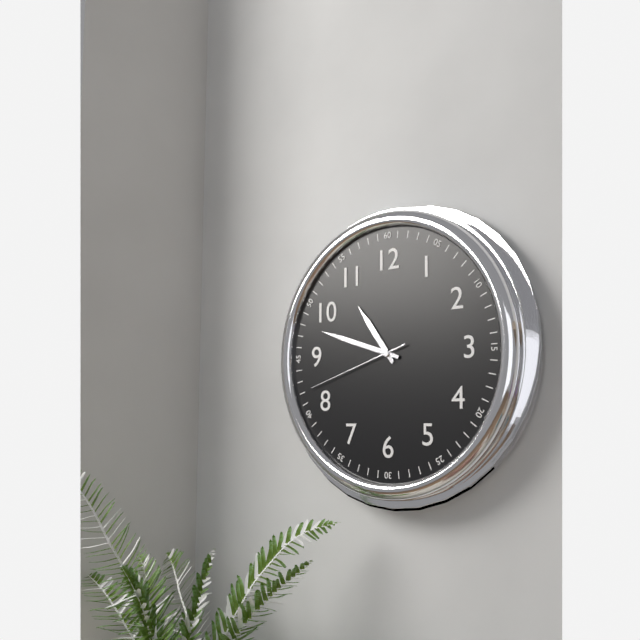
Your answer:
{"hour": 10, "minute": 48, "second": 42}
